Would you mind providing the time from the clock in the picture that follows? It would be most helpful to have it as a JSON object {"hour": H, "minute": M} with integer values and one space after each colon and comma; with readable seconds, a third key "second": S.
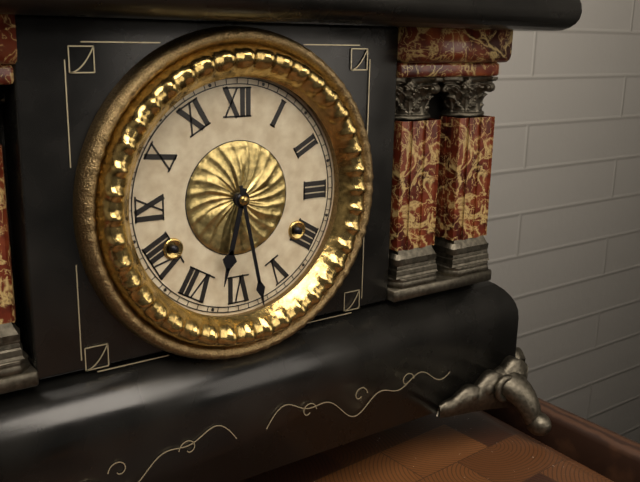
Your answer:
{"hour": 6, "minute": 28}
